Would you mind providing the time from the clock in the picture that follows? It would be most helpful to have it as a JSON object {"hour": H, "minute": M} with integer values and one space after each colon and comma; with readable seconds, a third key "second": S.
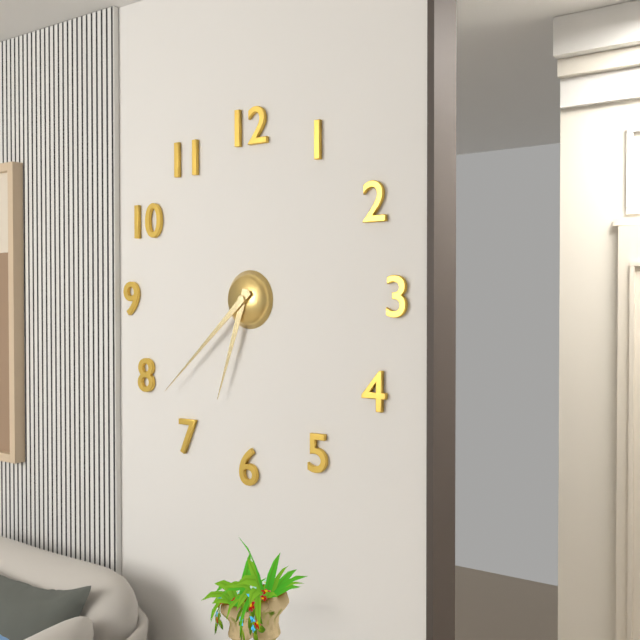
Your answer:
{"hour": 6, "minute": 38}
